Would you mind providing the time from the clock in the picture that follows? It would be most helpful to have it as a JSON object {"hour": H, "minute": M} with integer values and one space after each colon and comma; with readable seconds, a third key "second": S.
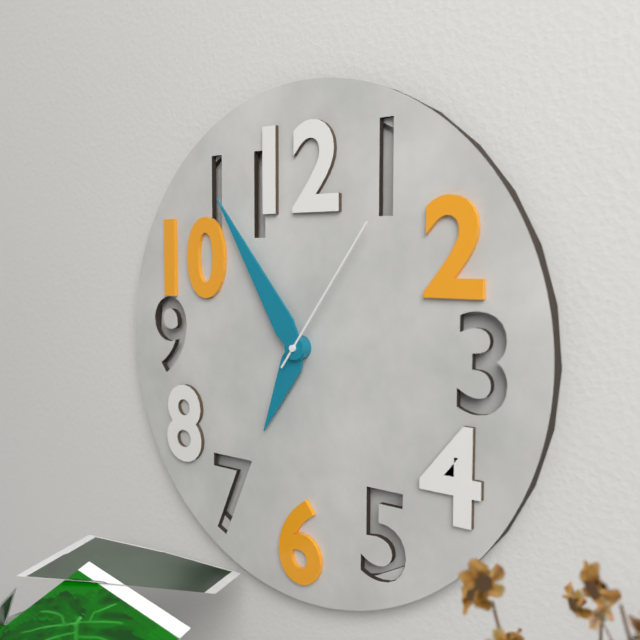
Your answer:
{"hour": 6, "minute": 54, "second": 6}
